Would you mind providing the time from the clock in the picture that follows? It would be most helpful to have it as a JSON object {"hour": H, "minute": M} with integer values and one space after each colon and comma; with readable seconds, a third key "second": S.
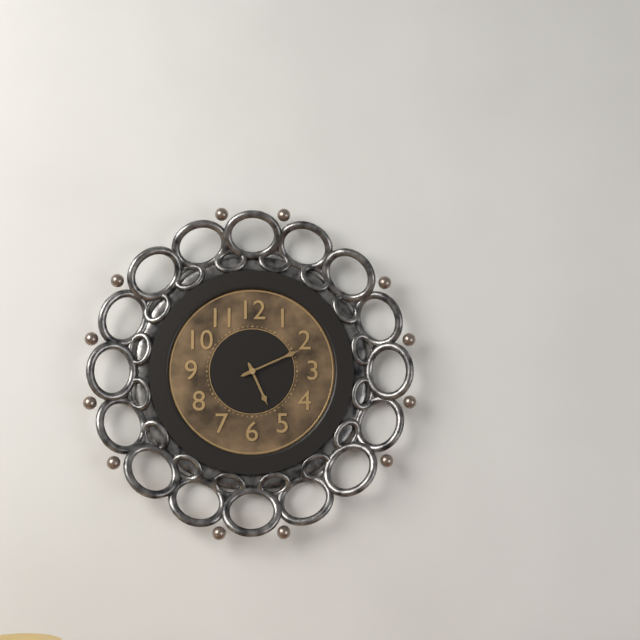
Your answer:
{"hour": 5, "minute": 11}
